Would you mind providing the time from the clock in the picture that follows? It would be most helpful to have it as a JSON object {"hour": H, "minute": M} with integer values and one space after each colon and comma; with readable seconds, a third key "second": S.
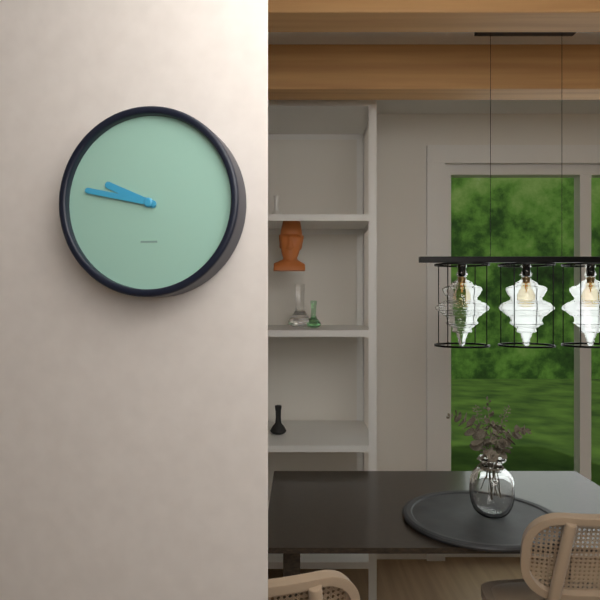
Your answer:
{"hour": 9, "minute": 47}
